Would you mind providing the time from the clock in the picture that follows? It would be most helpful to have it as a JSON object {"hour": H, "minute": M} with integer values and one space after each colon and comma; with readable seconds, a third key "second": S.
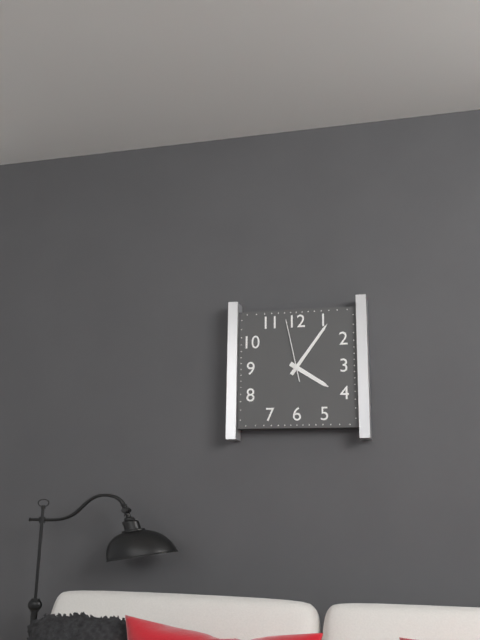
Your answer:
{"hour": 4, "minute": 6, "second": 58}
